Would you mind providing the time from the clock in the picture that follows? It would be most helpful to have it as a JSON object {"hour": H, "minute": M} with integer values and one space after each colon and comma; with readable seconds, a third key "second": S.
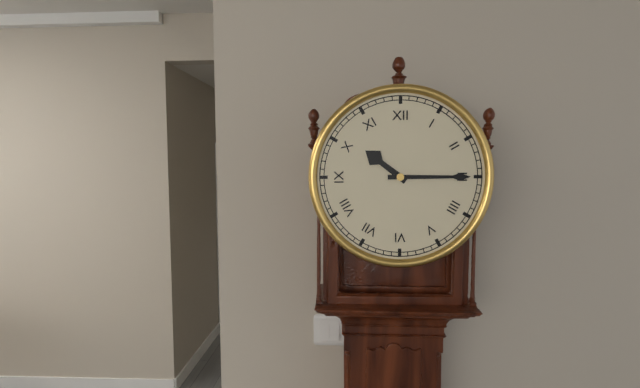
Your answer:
{"hour": 10, "minute": 15}
